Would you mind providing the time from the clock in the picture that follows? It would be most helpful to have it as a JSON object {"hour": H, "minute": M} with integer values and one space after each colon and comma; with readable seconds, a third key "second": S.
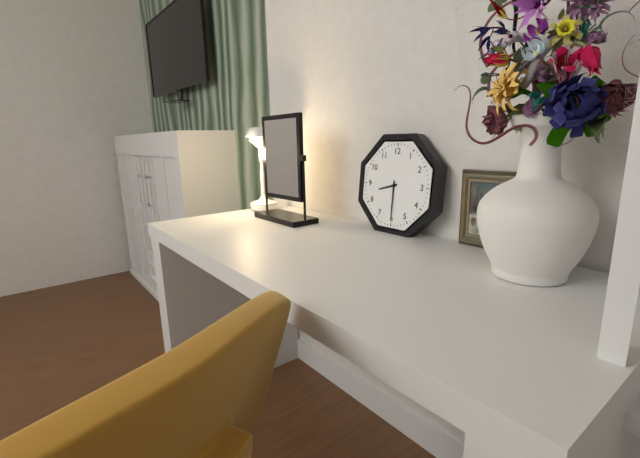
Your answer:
{"hour": 8, "minute": 30}
